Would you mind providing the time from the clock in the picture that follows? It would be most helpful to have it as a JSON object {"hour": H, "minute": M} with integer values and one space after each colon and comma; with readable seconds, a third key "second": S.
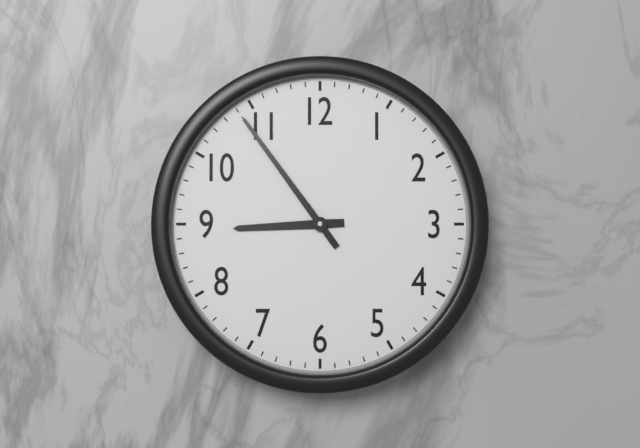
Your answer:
{"hour": 8, "minute": 54}
